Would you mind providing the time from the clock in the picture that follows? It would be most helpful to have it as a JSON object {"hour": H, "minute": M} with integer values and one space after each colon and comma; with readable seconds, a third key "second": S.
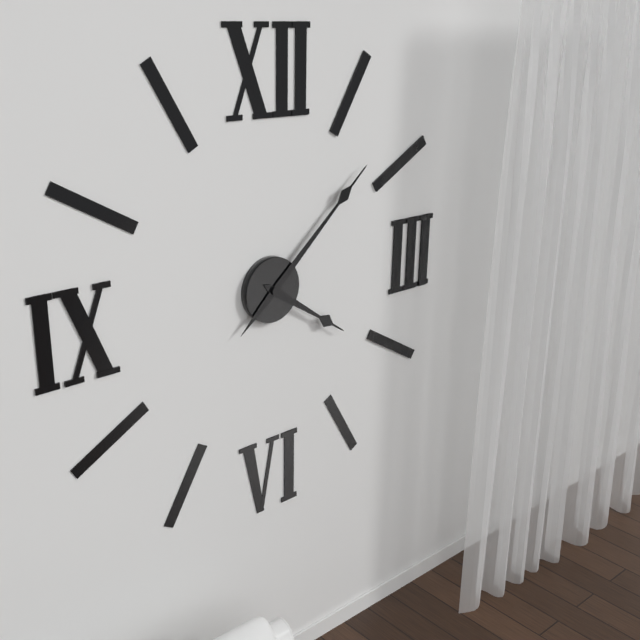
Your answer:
{"hour": 4, "minute": 8}
